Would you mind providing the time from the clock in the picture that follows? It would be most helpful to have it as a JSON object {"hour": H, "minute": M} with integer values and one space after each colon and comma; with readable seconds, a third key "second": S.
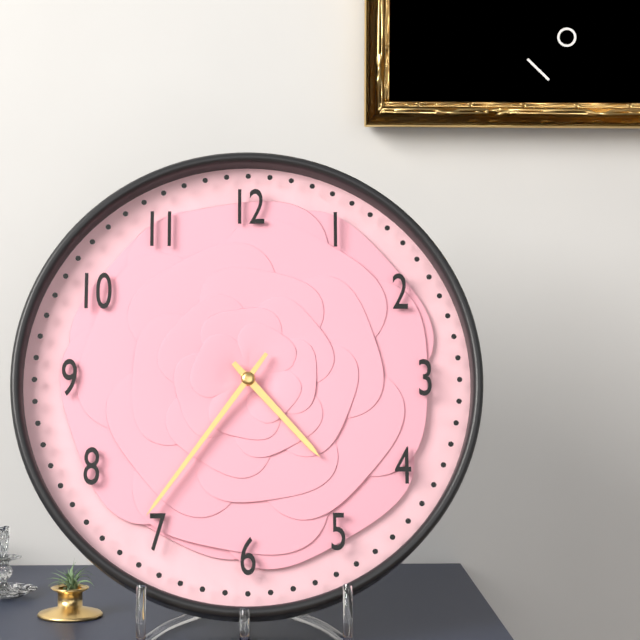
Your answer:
{"hour": 4, "minute": 36}
